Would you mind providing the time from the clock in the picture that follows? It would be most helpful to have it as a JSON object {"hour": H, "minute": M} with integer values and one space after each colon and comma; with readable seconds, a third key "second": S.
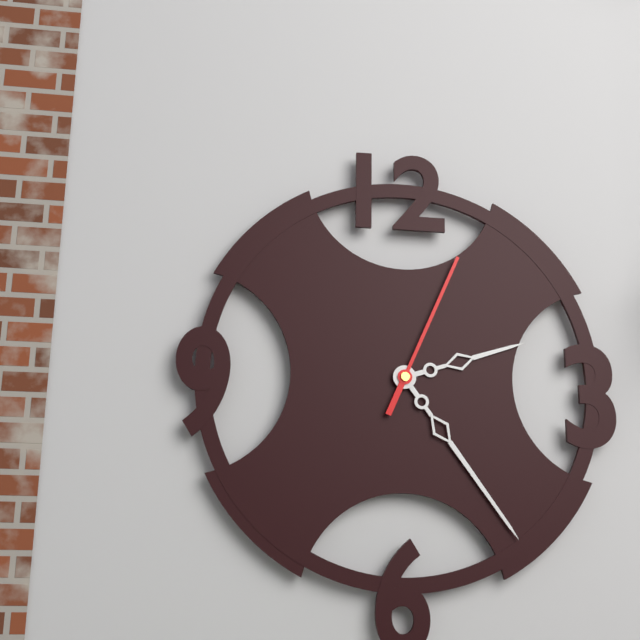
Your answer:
{"hour": 2, "minute": 24, "second": 4}
